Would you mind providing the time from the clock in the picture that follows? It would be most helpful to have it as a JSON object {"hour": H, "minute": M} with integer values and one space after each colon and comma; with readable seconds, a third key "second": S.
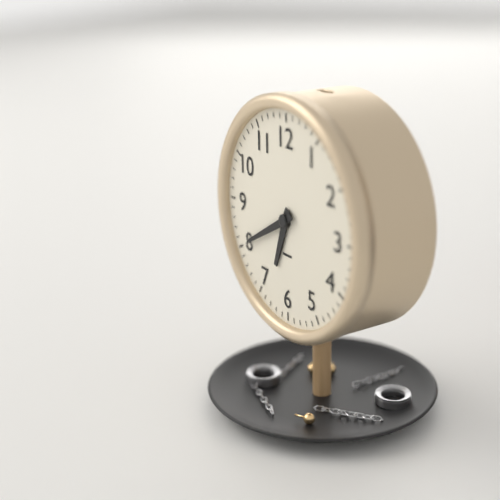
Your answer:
{"hour": 6, "minute": 40}
